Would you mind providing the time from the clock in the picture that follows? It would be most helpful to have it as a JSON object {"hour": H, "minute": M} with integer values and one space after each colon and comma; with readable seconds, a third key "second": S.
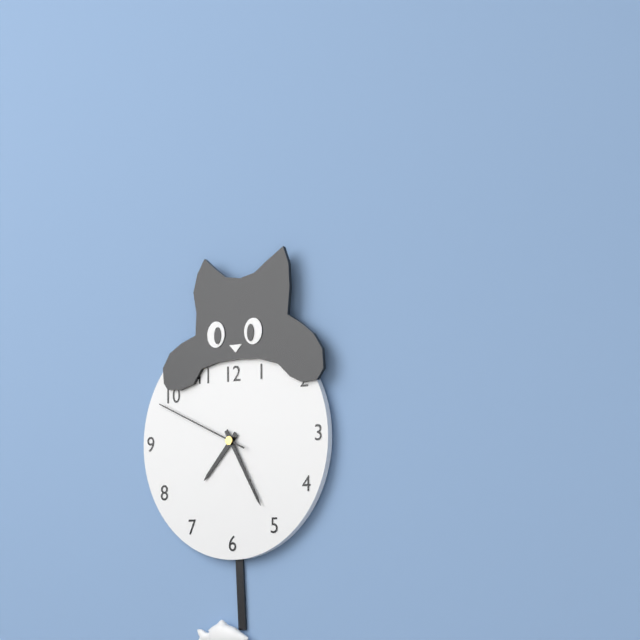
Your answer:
{"hour": 7, "minute": 25, "second": 49}
